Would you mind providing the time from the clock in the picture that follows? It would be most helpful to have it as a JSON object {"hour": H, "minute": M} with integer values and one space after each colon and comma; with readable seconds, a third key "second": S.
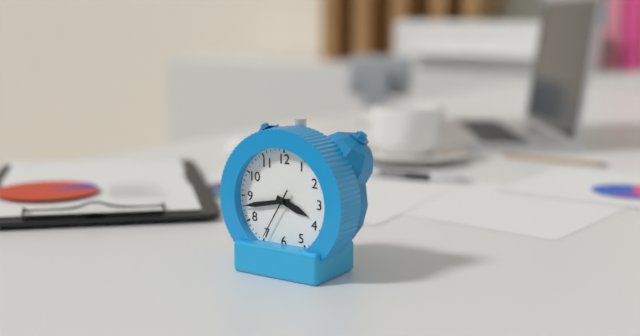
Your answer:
{"hour": 3, "minute": 43, "second": 35}
